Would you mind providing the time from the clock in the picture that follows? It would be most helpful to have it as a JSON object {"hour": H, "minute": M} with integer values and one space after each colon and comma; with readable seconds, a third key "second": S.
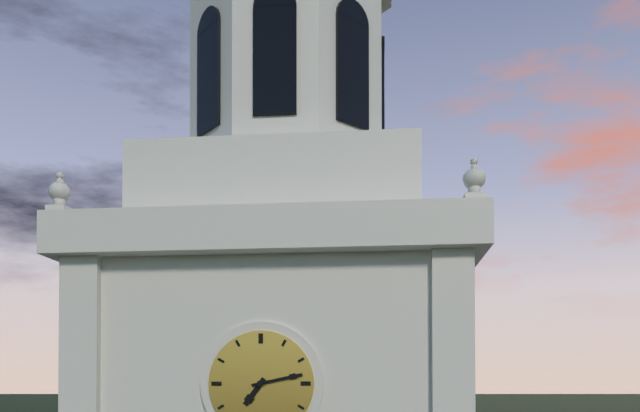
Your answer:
{"hour": 7, "minute": 13}
